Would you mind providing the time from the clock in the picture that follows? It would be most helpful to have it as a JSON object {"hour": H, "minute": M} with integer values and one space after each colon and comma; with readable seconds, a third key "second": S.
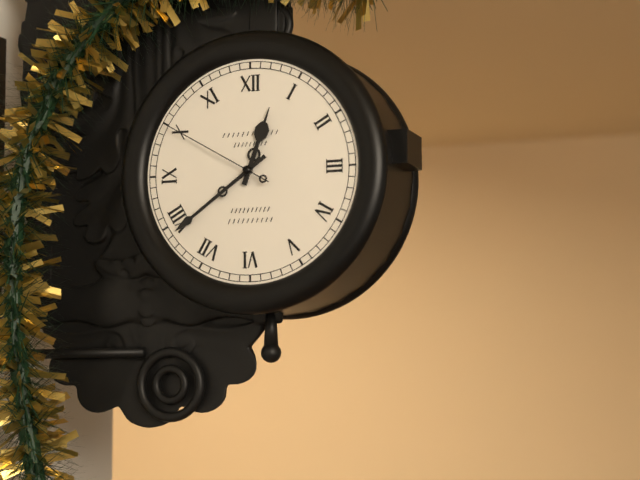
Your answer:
{"hour": 12, "minute": 39, "second": 50}
